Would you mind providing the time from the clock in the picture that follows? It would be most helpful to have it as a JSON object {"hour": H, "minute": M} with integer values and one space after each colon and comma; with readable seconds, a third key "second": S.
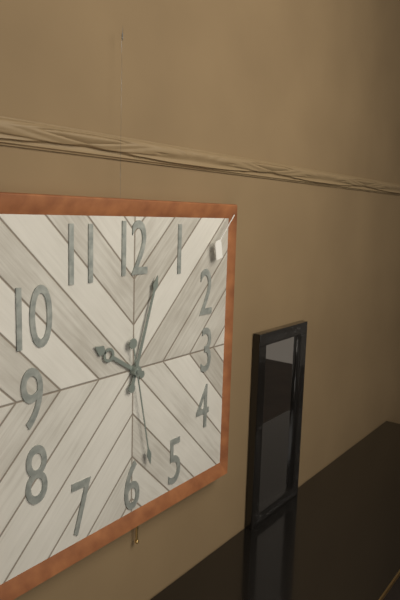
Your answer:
{"hour": 10, "minute": 3, "second": 28}
